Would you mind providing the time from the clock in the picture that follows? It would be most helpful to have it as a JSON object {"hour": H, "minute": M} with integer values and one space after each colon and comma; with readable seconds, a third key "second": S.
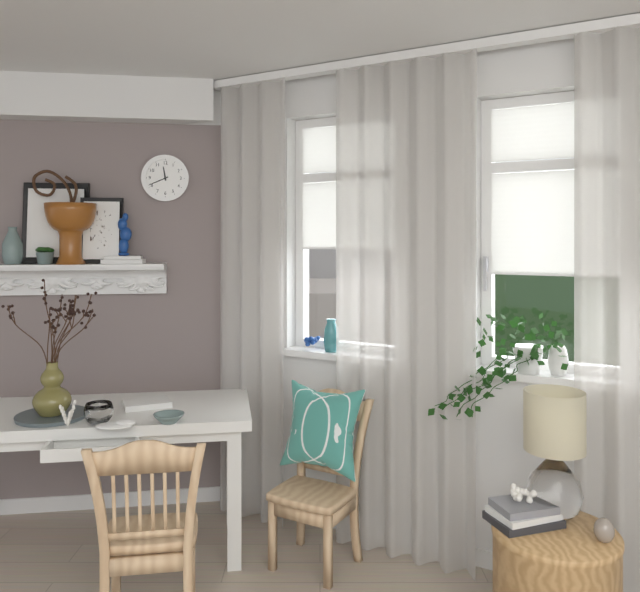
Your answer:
{"hour": 11, "minute": 41}
